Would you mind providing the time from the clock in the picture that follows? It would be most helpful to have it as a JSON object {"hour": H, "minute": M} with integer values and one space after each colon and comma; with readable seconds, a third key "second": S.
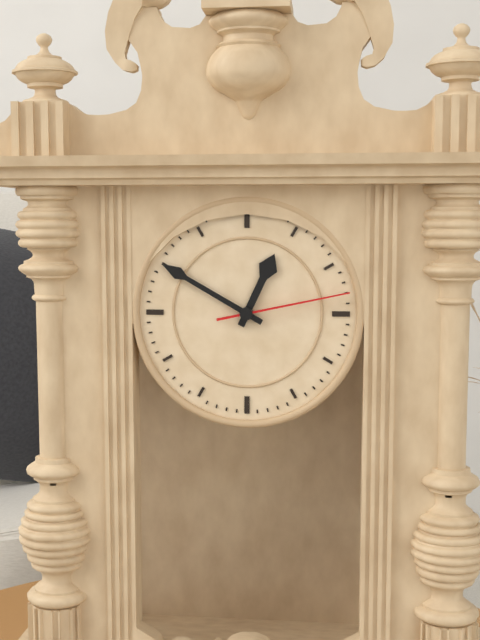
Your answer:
{"hour": 12, "minute": 50, "second": 13}
